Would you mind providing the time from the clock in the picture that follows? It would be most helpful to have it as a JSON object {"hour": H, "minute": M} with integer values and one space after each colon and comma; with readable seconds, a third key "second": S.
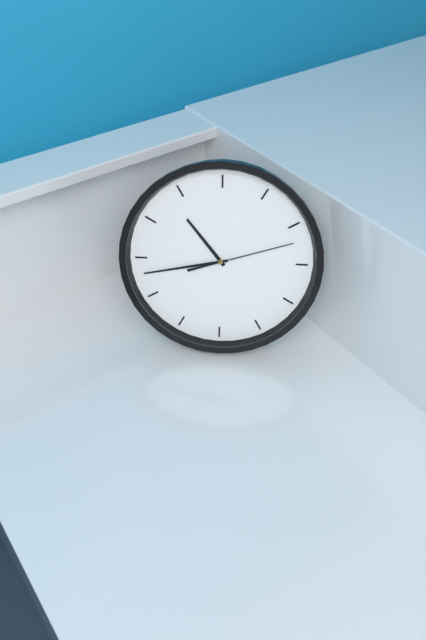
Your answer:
{"hour": 10, "minute": 43, "second": 12}
